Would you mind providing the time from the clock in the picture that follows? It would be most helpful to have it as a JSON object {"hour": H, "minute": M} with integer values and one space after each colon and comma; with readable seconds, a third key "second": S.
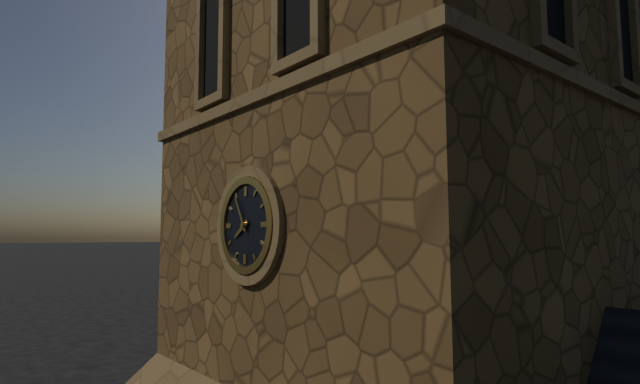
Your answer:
{"hour": 7, "minute": 55}
